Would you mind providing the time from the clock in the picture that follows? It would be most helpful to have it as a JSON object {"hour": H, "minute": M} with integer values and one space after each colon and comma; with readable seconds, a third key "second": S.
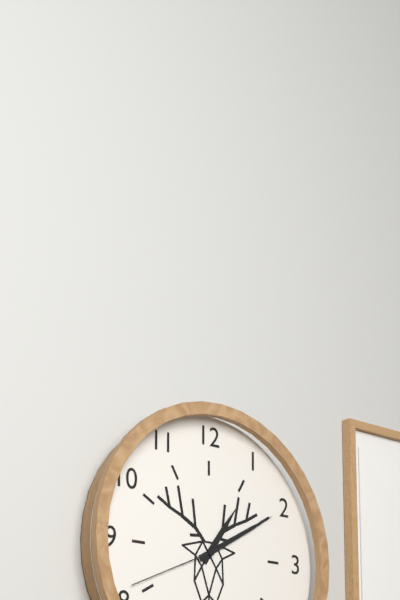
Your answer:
{"hour": 1, "minute": 10, "second": 41}
